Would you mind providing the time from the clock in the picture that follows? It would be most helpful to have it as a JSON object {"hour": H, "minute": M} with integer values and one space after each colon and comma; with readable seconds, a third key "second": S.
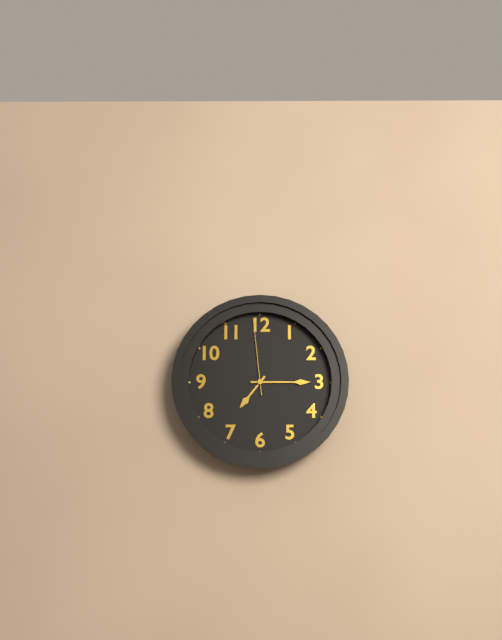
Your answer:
{"hour": 7, "minute": 15, "second": 59}
